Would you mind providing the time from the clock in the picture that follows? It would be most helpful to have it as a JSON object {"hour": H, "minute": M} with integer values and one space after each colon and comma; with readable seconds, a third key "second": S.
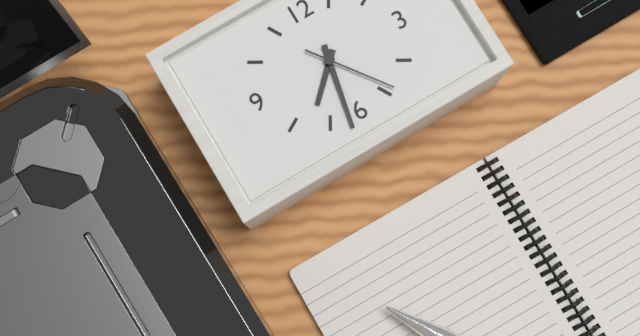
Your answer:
{"hour": 7, "minute": 32, "second": 24}
